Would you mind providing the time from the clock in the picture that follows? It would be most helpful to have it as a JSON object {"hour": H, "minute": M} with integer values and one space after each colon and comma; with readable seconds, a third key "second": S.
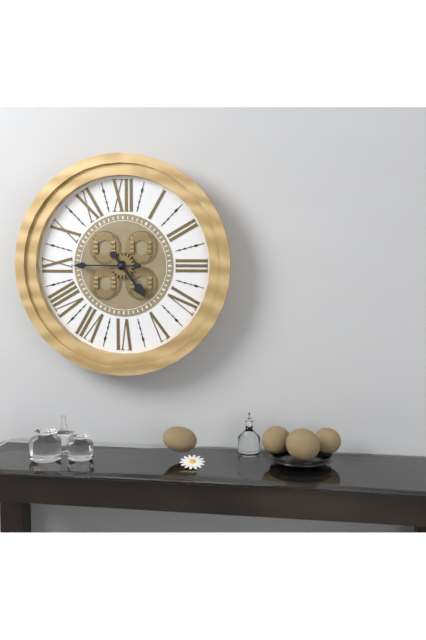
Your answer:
{"hour": 4, "minute": 45}
